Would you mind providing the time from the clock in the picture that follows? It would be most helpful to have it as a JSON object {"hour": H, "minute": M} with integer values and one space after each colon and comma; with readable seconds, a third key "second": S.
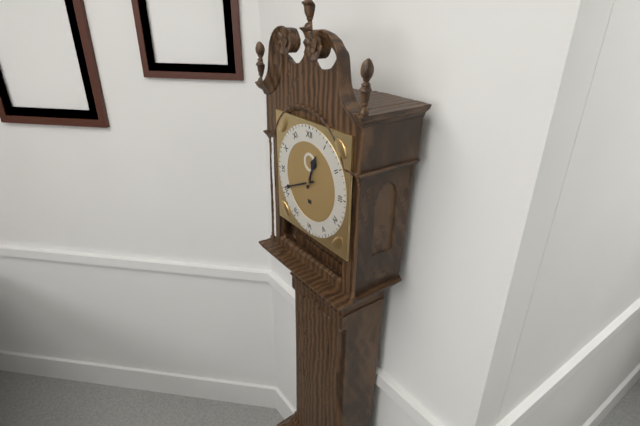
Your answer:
{"hour": 12, "minute": 41}
